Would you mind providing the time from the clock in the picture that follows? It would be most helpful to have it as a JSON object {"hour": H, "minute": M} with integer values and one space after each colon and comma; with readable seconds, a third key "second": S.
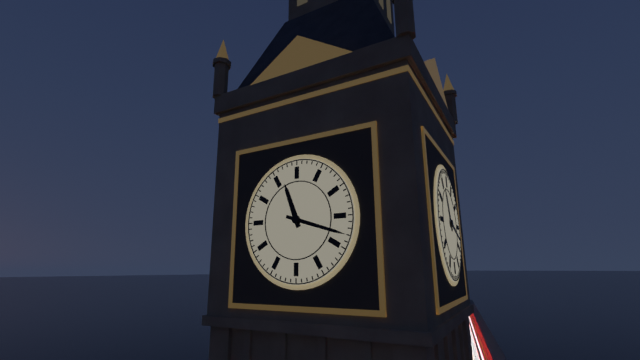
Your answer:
{"hour": 11, "minute": 18}
